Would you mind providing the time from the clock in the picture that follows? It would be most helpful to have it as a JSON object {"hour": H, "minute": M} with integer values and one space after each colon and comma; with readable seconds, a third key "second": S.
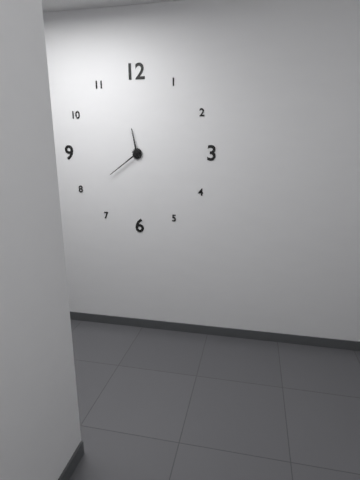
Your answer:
{"hour": 11, "minute": 39}
